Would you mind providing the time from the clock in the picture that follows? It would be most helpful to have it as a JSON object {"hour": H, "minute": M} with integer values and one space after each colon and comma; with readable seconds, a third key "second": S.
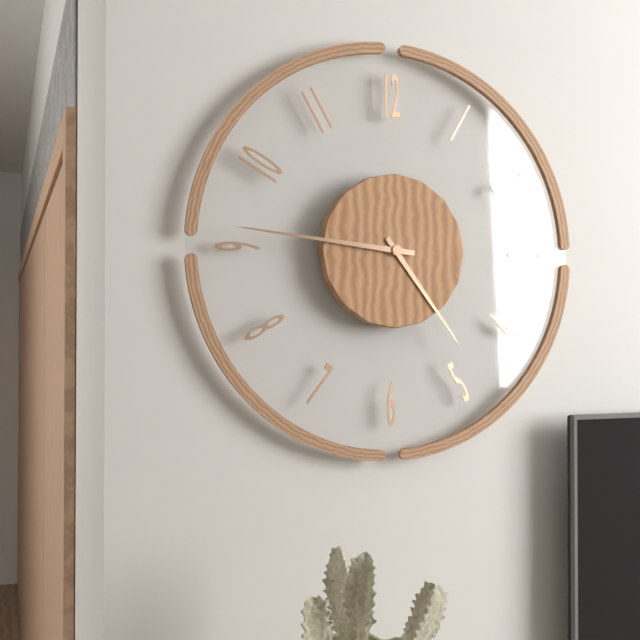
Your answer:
{"hour": 4, "minute": 46}
